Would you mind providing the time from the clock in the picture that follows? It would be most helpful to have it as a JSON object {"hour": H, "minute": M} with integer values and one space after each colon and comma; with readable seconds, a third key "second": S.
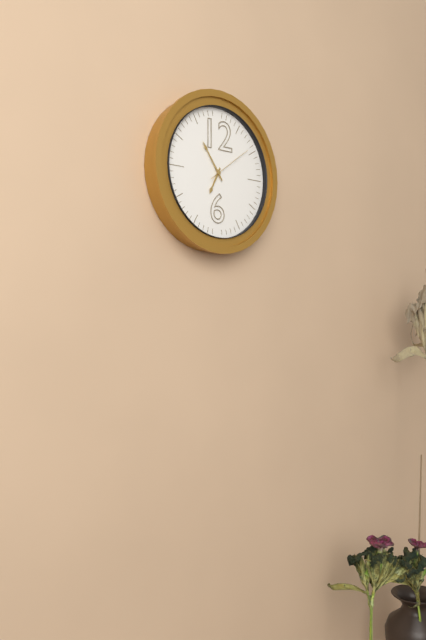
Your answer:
{"hour": 6, "minute": 54}
